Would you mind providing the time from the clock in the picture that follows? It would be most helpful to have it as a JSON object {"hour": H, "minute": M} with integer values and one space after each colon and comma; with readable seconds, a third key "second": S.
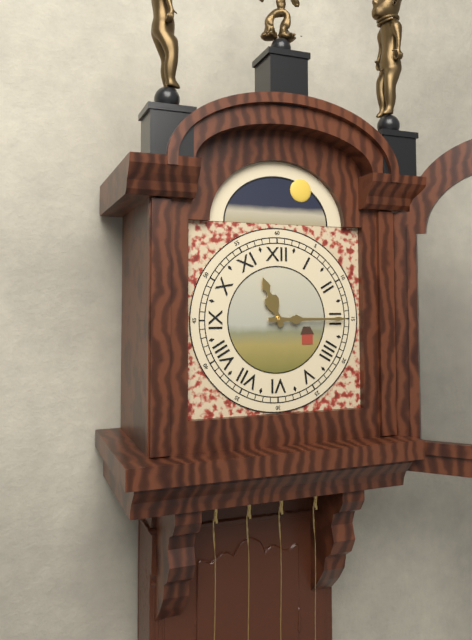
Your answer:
{"hour": 11, "minute": 15}
